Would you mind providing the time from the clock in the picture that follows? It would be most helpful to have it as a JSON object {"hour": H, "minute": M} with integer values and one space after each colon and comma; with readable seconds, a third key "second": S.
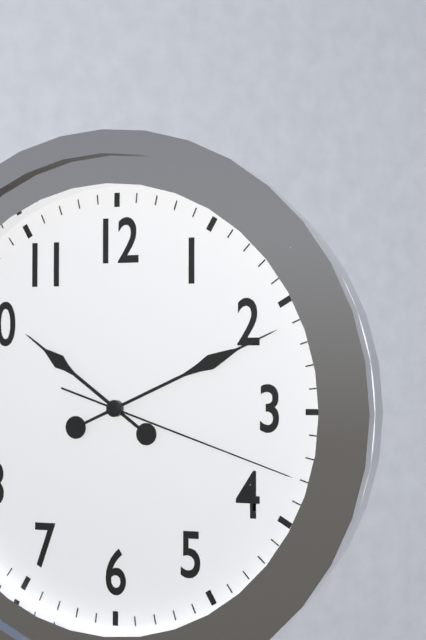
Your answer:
{"hour": 10, "minute": 11, "second": 18}
